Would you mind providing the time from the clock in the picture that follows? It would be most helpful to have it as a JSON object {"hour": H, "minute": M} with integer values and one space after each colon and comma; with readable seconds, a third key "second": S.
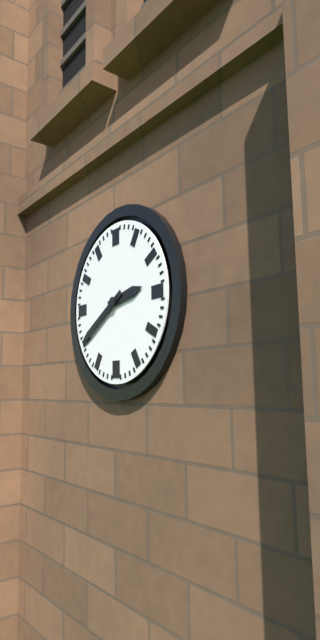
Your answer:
{"hour": 2, "minute": 40}
